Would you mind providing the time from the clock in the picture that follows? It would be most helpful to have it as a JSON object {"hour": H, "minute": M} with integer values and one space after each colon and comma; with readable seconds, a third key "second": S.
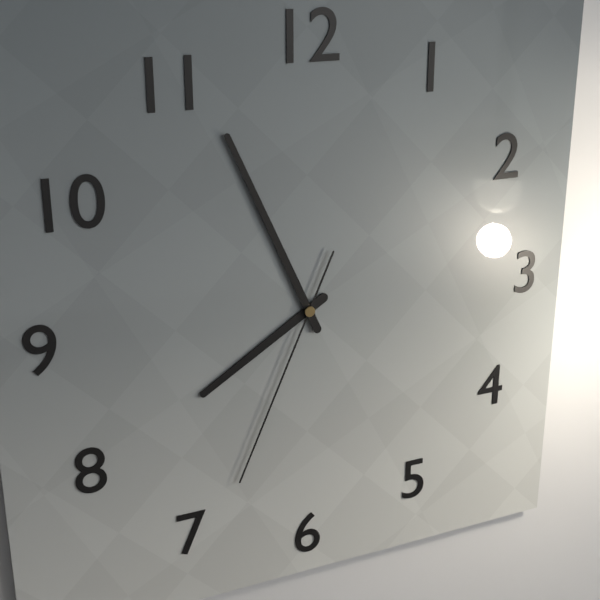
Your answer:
{"hour": 7, "minute": 56, "second": 34}
